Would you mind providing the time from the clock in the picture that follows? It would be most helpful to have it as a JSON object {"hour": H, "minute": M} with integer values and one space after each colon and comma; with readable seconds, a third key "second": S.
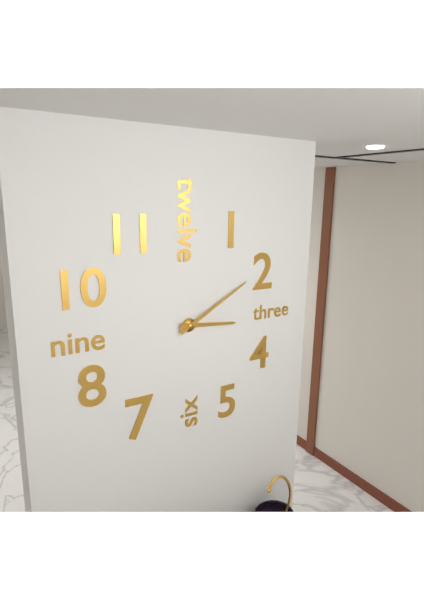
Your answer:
{"hour": 3, "minute": 10}
